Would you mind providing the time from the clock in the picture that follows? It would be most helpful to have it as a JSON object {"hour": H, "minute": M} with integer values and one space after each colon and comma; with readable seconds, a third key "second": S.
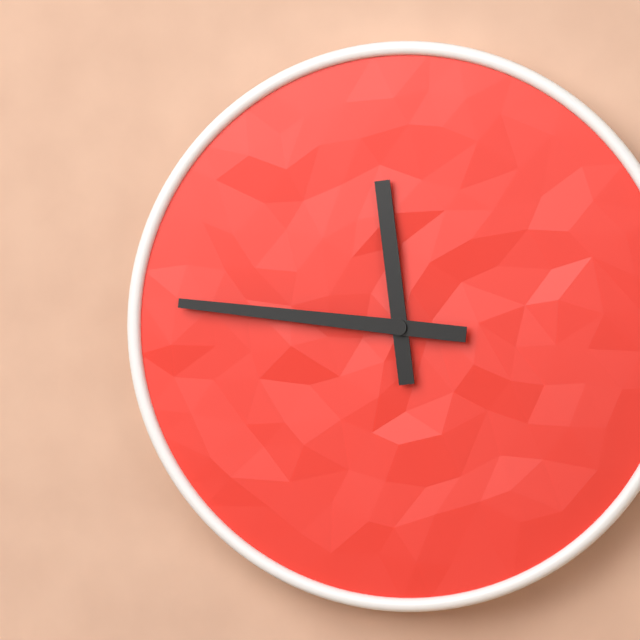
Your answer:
{"hour": 11, "minute": 46}
